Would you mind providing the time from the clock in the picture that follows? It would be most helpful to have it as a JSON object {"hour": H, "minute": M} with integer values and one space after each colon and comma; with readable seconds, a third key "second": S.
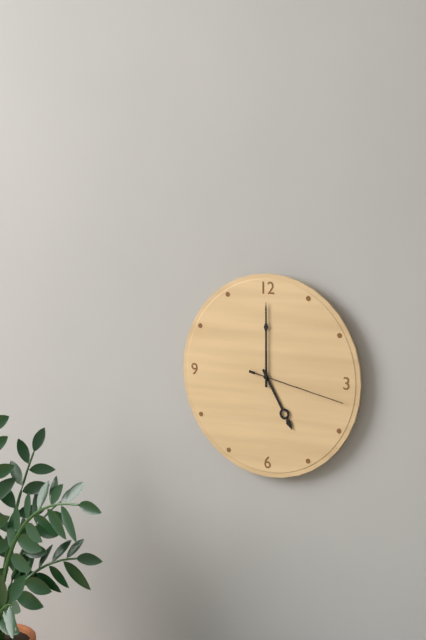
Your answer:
{"hour": 5, "minute": 0, "second": 17}
